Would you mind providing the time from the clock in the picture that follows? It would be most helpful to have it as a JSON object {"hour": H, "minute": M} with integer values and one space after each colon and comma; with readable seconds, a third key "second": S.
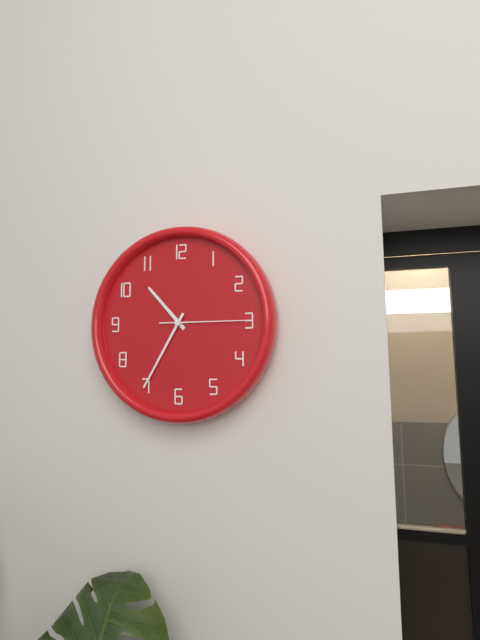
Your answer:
{"hour": 10, "minute": 35, "second": 15}
